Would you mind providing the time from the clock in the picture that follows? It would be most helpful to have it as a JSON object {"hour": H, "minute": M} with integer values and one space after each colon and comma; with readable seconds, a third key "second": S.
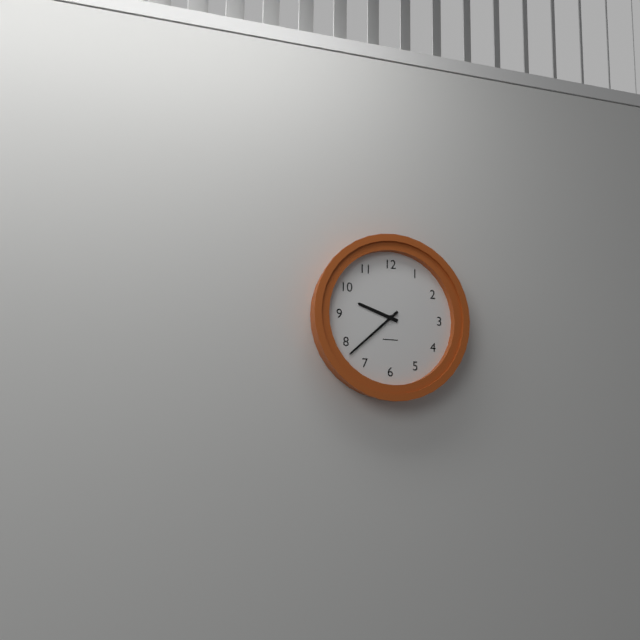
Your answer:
{"hour": 9, "minute": 38}
